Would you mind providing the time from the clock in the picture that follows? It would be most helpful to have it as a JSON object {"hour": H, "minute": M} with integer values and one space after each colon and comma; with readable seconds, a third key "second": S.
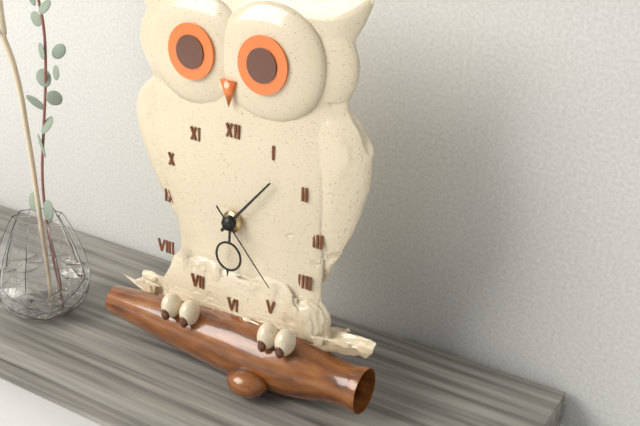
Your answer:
{"hour": 6, "minute": 7, "second": 23}
